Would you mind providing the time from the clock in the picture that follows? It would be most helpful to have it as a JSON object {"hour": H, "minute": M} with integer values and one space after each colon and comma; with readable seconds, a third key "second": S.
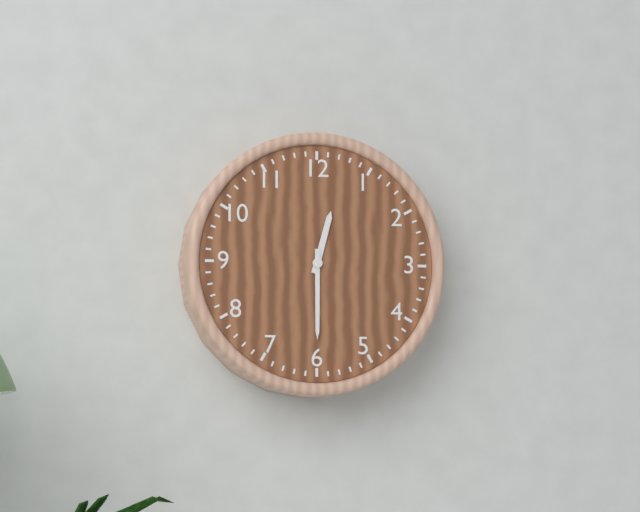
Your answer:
{"hour": 12, "minute": 30}
